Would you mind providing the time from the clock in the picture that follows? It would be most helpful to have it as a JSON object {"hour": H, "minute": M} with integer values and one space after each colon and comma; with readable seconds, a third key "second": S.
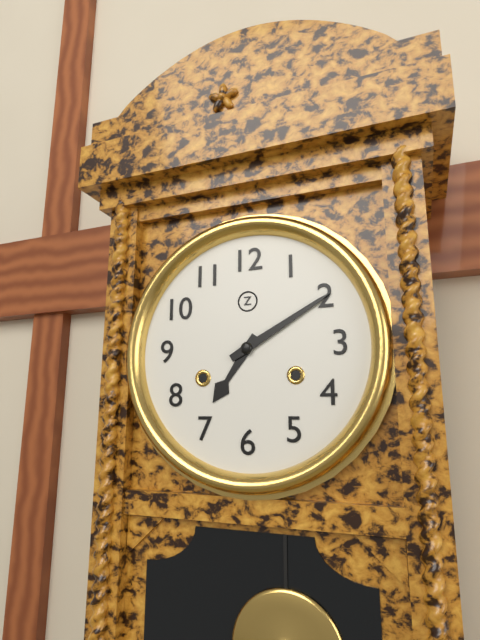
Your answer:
{"hour": 7, "minute": 10}
